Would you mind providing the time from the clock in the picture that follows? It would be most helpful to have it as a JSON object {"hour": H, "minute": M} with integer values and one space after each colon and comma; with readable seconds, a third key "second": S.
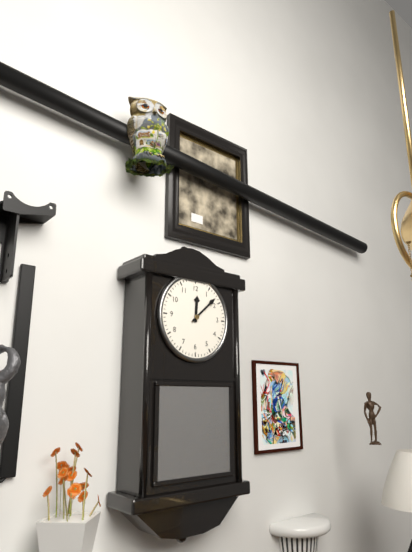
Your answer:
{"hour": 12, "minute": 8}
